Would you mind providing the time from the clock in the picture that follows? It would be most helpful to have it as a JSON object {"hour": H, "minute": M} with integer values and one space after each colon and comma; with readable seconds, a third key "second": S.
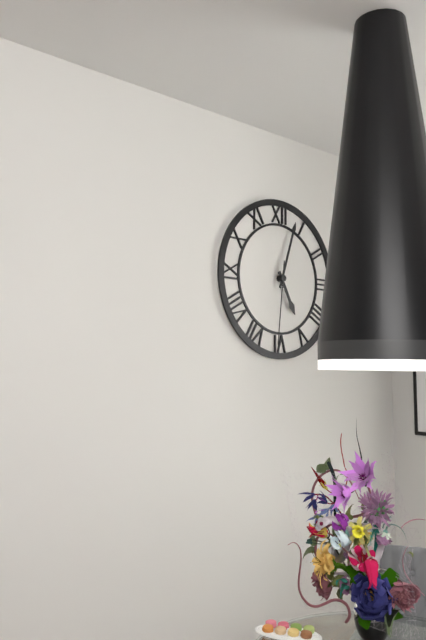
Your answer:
{"hour": 5, "minute": 3, "second": 31}
